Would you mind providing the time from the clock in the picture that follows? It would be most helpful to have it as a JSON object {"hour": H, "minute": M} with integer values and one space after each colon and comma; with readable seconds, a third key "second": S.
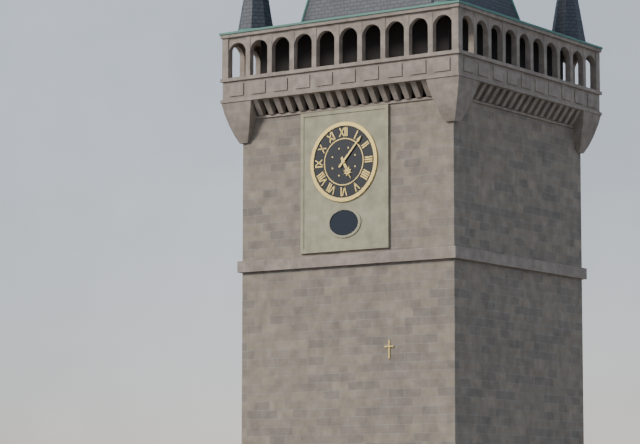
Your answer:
{"hour": 5, "minute": 7}
